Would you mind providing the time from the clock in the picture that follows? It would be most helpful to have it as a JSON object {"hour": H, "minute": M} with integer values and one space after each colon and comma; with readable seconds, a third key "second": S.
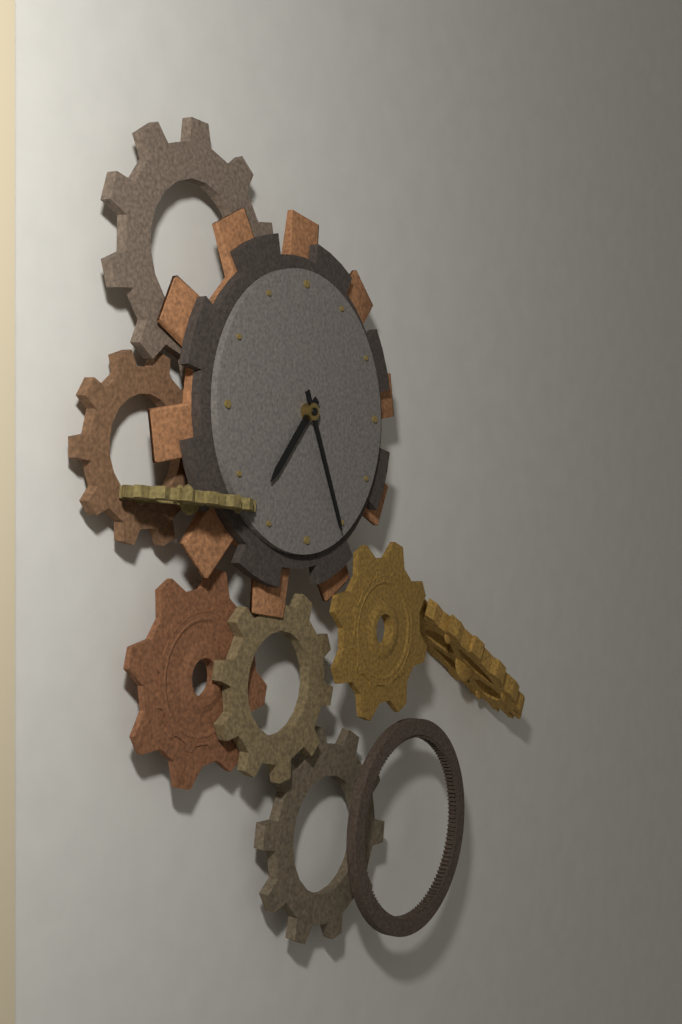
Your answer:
{"hour": 7, "minute": 26}
